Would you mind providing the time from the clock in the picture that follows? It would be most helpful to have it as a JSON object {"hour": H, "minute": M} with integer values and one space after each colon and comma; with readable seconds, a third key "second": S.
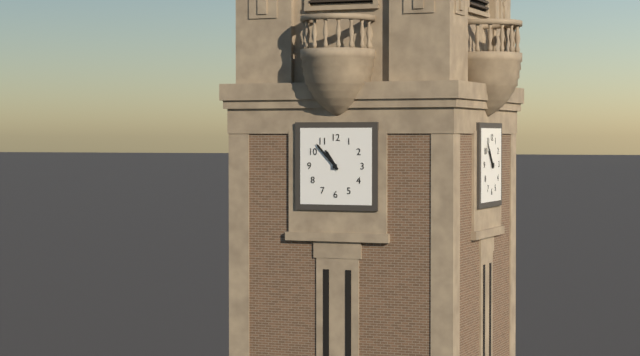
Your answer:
{"hour": 10, "minute": 53}
